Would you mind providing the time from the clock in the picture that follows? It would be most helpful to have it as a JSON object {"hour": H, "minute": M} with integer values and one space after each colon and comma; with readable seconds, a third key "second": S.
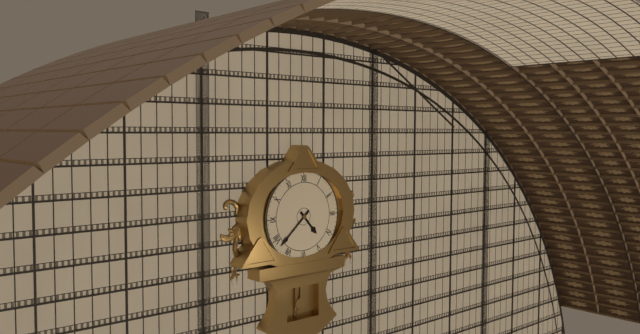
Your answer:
{"hour": 4, "minute": 38}
